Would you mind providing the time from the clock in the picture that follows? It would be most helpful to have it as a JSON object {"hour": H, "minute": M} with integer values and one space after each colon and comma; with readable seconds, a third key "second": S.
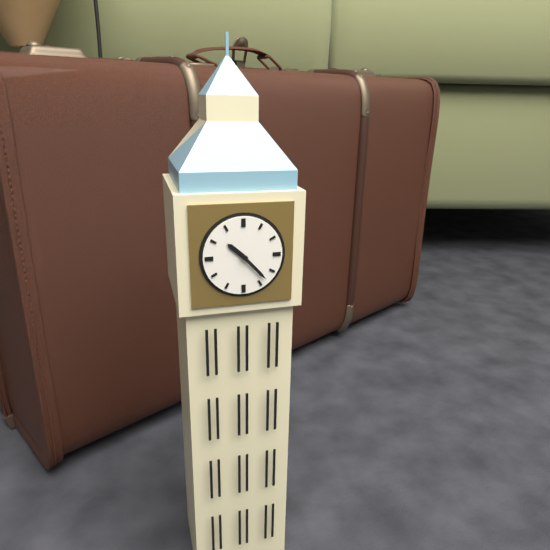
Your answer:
{"hour": 10, "minute": 23}
